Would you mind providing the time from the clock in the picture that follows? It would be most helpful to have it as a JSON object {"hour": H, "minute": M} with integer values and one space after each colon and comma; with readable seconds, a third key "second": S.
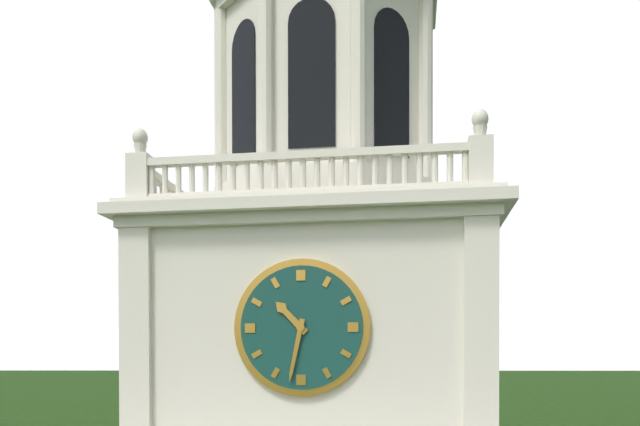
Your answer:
{"hour": 10, "minute": 32}
